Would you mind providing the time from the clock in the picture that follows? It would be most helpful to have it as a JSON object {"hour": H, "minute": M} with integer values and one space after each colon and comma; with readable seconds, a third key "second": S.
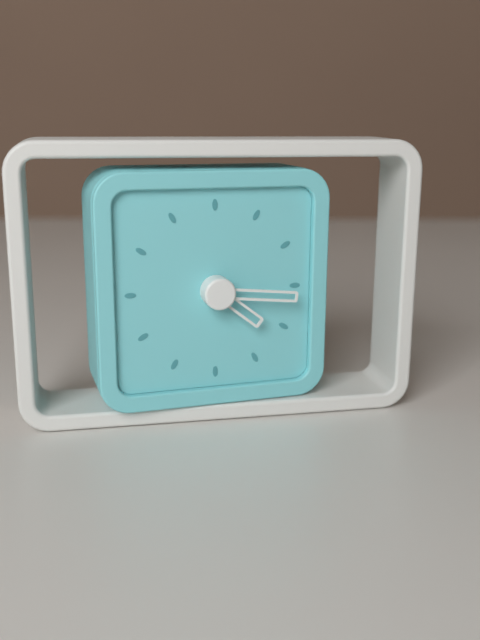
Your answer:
{"hour": 4, "minute": 16}
